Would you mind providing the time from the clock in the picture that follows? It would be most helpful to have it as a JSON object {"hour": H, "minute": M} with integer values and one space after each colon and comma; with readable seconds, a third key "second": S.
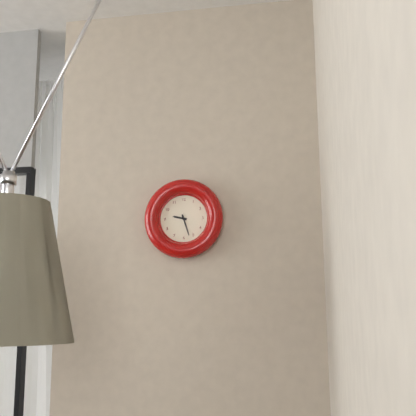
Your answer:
{"hour": 9, "minute": 27}
